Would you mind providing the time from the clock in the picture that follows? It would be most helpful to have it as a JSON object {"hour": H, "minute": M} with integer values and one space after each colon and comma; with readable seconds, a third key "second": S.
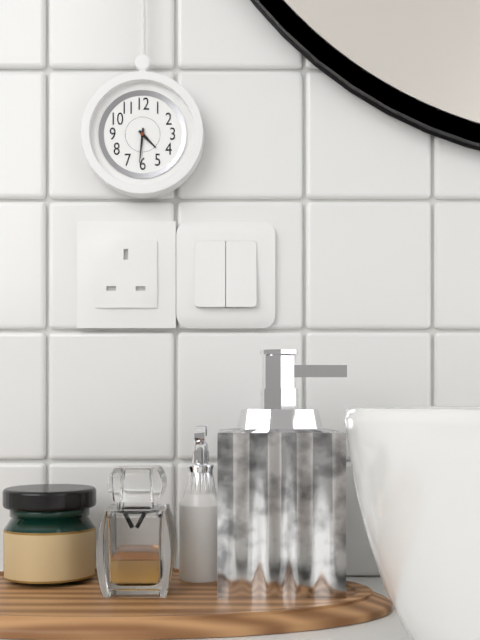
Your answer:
{"hour": 4, "minute": 31}
